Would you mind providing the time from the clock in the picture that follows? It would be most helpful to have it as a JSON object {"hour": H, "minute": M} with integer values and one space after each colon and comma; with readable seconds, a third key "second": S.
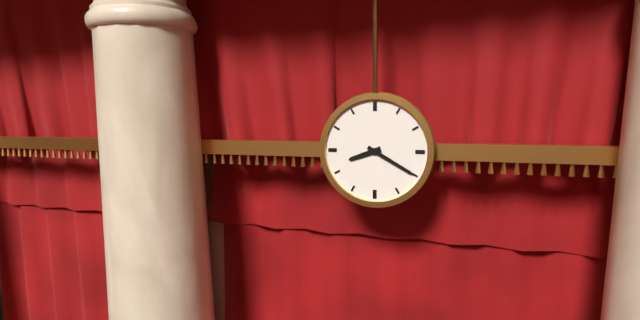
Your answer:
{"hour": 8, "minute": 20}
